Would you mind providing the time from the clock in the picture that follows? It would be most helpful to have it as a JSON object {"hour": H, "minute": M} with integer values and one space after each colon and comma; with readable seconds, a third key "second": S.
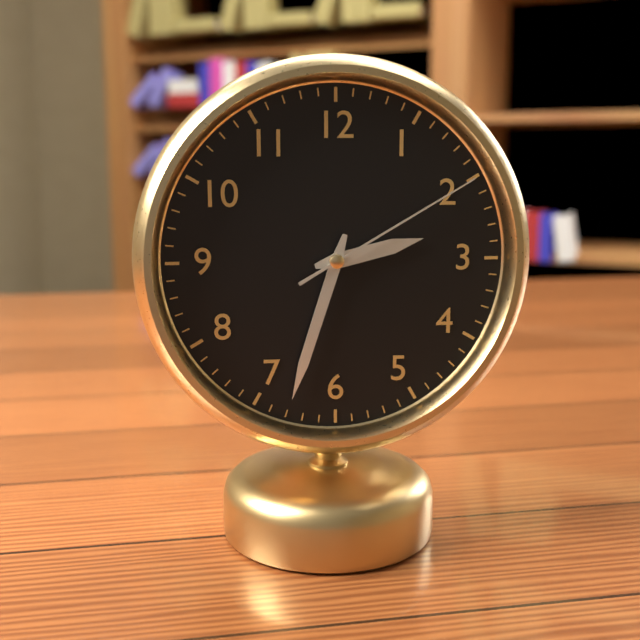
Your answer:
{"hour": 2, "minute": 33, "second": 10}
